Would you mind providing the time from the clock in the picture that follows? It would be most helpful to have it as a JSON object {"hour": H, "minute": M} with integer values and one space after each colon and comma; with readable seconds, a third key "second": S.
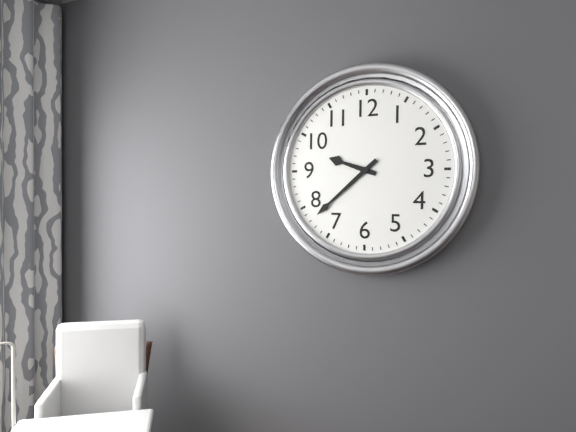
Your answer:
{"hour": 9, "minute": 38}
